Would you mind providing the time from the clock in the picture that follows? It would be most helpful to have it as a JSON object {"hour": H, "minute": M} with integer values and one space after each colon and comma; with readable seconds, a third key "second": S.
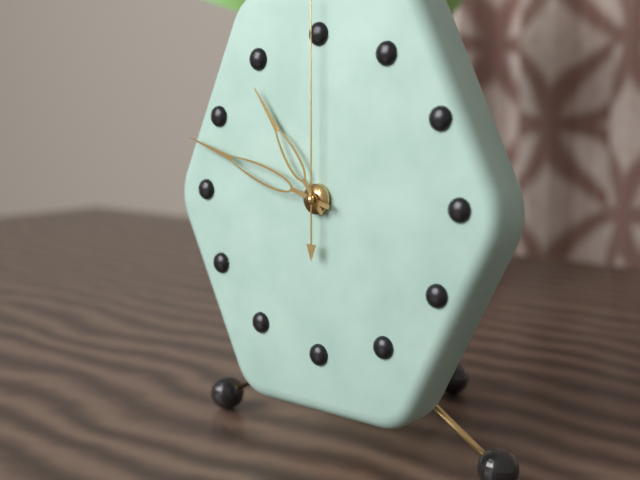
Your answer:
{"hour": 10, "minute": 48}
